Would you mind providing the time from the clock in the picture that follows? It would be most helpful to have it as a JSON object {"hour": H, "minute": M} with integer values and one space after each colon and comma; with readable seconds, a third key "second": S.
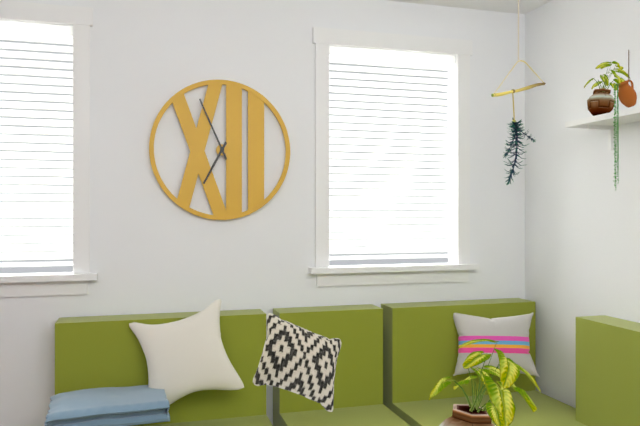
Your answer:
{"hour": 6, "minute": 56}
